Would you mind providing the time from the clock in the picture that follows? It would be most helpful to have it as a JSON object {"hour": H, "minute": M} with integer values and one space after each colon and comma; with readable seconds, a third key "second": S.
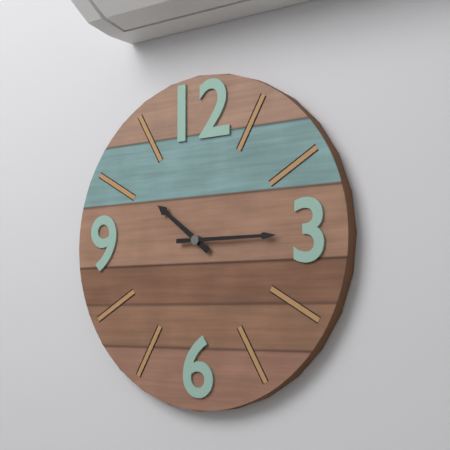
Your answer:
{"hour": 10, "minute": 15}
